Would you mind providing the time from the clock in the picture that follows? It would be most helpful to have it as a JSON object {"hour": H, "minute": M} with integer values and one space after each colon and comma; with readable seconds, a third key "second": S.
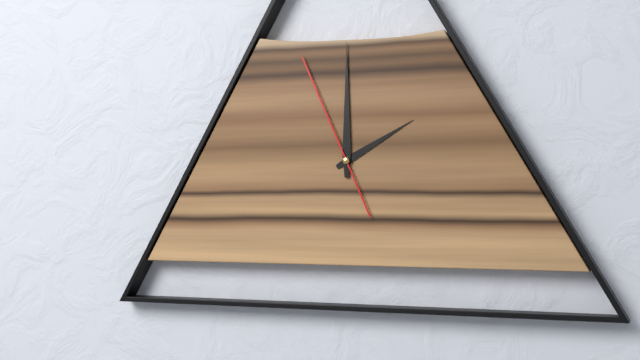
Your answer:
{"hour": 2, "minute": 0, "second": 56}
